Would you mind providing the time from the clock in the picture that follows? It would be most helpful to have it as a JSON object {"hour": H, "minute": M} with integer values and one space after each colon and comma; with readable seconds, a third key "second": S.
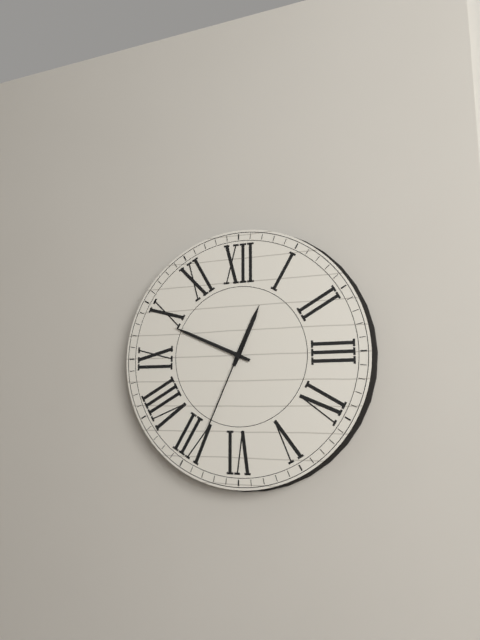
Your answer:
{"hour": 12, "minute": 49, "second": 34}
